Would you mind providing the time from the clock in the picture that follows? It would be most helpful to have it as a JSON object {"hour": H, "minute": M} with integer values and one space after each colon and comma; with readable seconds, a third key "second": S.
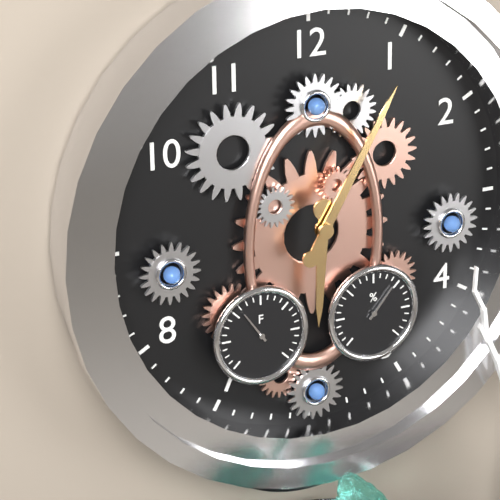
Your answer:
{"hour": 6, "minute": 5}
